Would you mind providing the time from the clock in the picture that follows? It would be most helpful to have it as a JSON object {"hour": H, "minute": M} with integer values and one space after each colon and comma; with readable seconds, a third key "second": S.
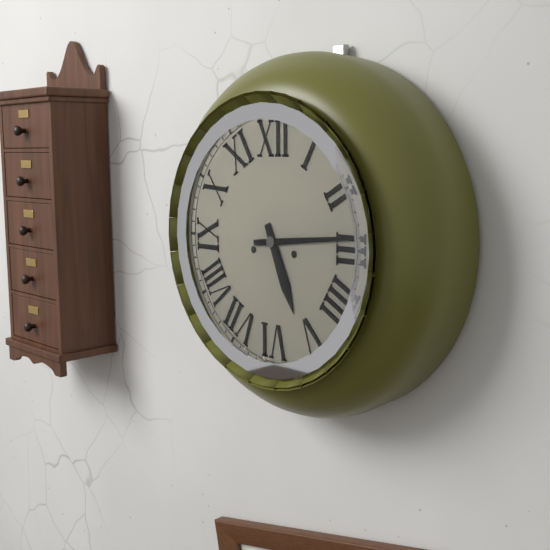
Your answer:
{"hour": 5, "minute": 14}
